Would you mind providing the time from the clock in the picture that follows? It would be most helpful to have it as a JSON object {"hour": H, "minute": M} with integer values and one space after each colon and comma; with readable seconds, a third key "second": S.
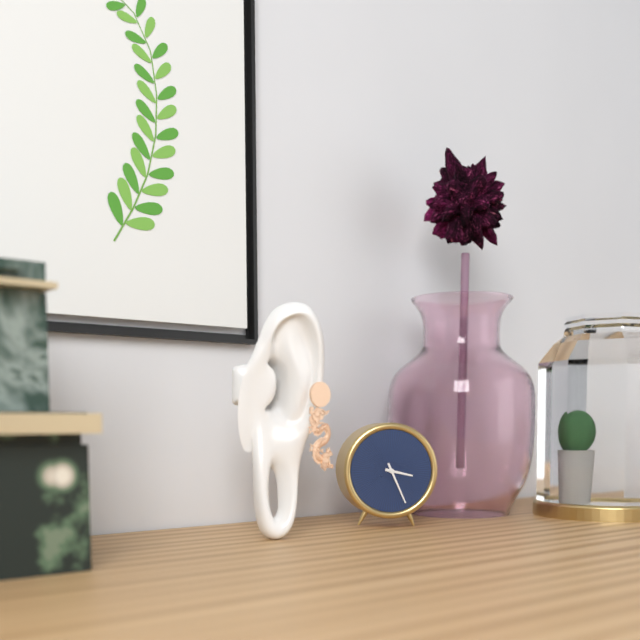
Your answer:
{"hour": 3, "minute": 26}
